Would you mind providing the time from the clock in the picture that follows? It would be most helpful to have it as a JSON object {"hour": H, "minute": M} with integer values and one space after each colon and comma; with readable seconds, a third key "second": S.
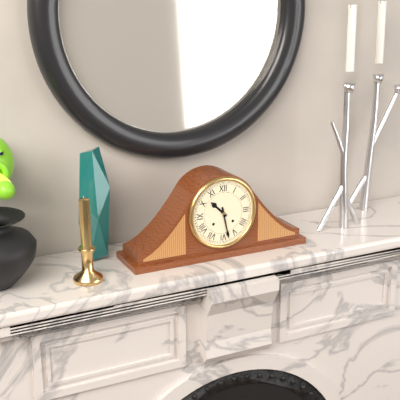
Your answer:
{"hour": 10, "minute": 28}
